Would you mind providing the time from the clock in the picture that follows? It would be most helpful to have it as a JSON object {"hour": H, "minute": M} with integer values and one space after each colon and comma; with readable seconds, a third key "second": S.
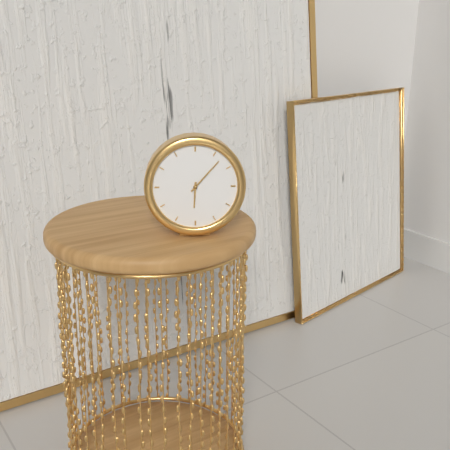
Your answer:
{"hour": 6, "minute": 7}
